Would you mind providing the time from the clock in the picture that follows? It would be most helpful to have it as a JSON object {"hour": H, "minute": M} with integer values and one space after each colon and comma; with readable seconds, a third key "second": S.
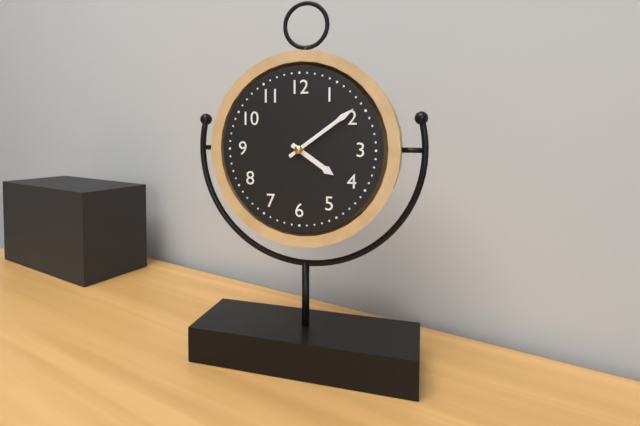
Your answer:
{"hour": 4, "minute": 9}
